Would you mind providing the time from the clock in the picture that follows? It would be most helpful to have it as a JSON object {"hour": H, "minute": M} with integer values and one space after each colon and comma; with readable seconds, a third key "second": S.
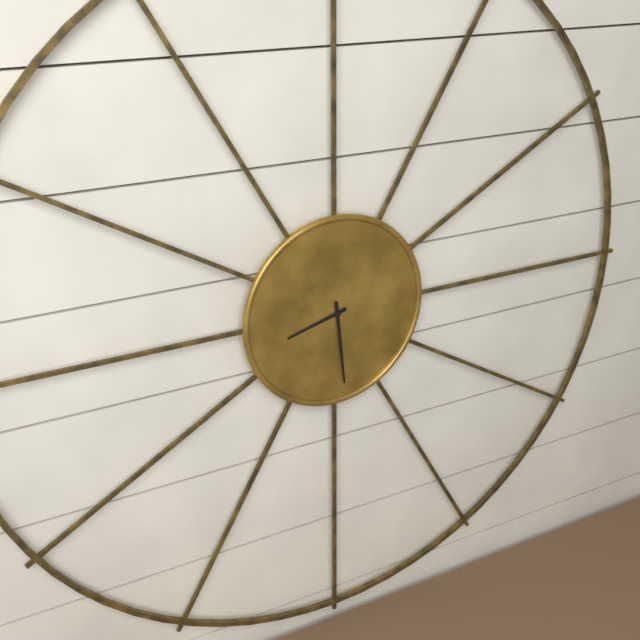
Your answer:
{"hour": 8, "minute": 29}
